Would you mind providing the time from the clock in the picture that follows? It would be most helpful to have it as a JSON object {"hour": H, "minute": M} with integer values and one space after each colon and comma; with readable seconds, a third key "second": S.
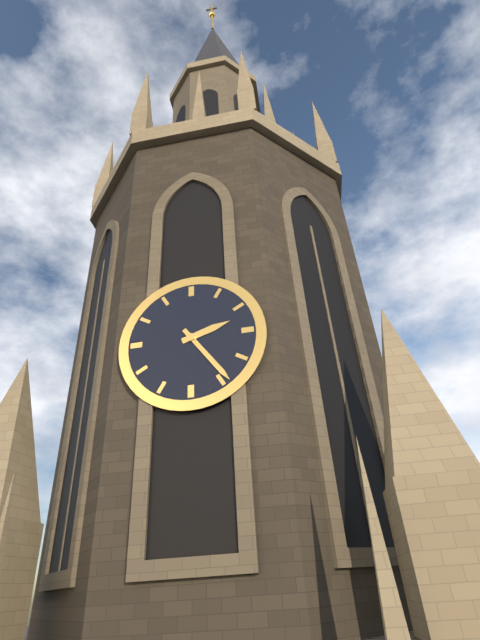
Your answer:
{"hour": 2, "minute": 24}
